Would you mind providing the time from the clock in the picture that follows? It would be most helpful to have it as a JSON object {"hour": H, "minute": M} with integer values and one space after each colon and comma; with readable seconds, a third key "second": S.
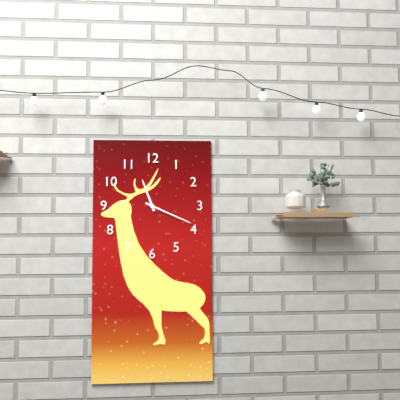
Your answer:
{"hour": 11, "minute": 19}
